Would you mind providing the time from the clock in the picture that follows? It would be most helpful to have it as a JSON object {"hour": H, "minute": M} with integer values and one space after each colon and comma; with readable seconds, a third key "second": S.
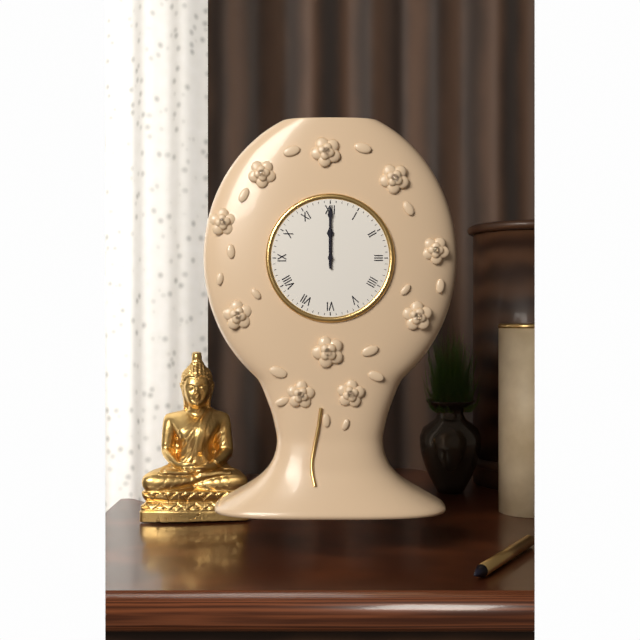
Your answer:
{"hour": 12, "minute": 0}
